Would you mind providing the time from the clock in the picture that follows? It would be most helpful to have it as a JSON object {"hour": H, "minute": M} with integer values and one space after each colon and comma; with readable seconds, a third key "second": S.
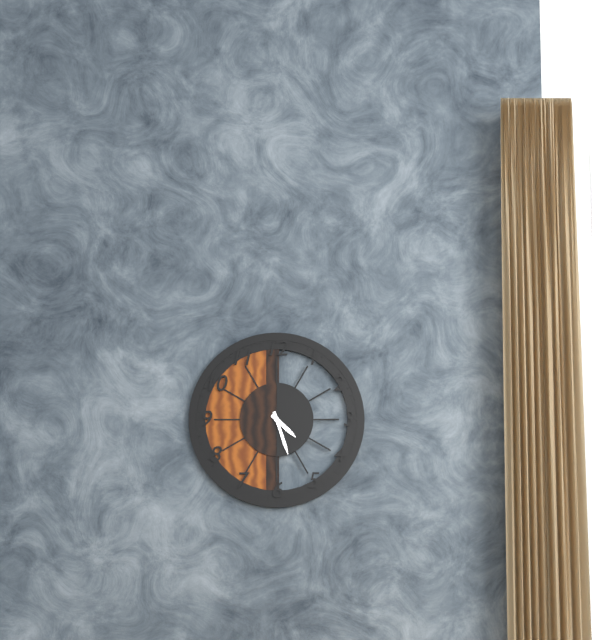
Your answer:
{"hour": 4, "minute": 27}
